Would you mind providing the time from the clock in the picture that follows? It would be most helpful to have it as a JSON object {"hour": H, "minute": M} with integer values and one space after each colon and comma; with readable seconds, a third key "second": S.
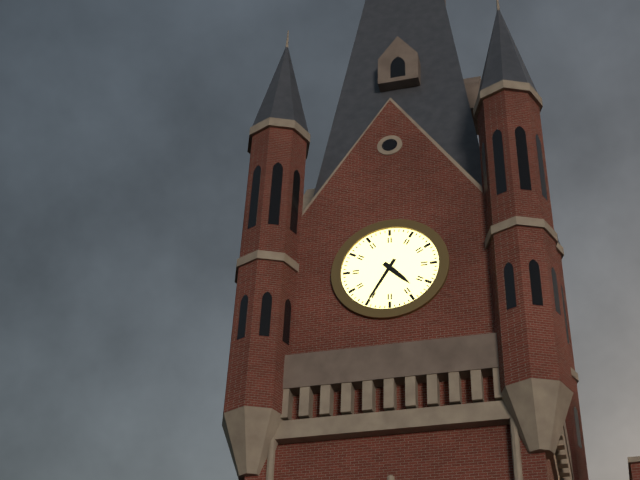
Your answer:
{"hour": 4, "minute": 35}
